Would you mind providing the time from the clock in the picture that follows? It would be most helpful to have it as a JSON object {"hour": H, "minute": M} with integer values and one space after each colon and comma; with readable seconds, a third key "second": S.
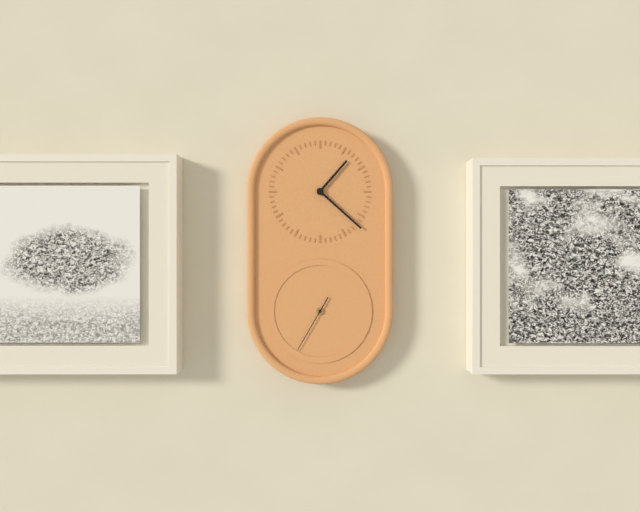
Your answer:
{"hour": 1, "minute": 22, "second": 35}
